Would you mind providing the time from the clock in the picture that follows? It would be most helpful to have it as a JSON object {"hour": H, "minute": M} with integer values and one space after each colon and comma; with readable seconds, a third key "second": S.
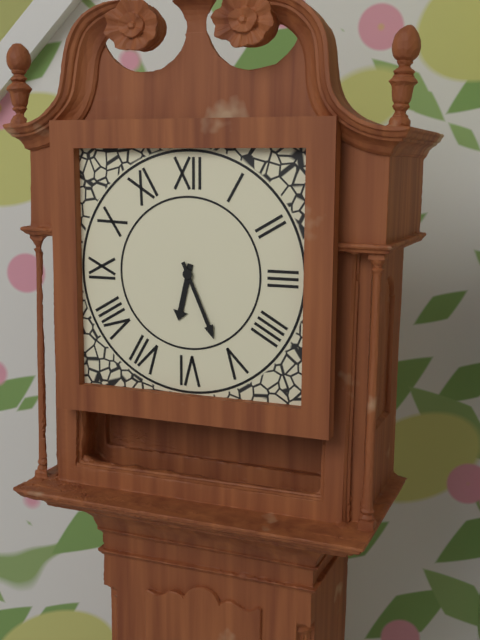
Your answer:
{"hour": 6, "minute": 26}
